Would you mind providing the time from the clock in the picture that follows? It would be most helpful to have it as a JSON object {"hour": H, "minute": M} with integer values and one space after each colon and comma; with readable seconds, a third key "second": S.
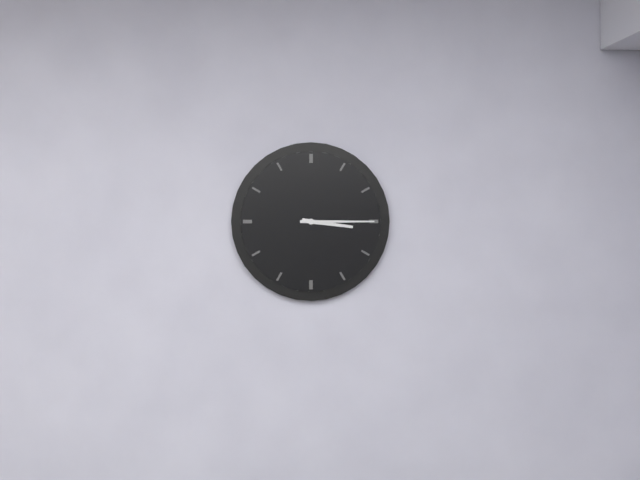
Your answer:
{"hour": 3, "minute": 15}
